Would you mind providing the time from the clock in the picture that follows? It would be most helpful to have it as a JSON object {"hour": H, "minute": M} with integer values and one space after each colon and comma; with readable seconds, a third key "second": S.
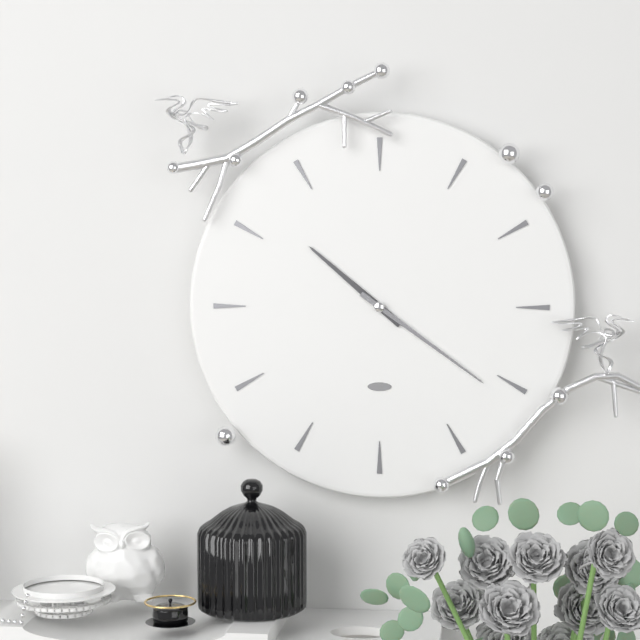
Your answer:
{"hour": 10, "minute": 21}
